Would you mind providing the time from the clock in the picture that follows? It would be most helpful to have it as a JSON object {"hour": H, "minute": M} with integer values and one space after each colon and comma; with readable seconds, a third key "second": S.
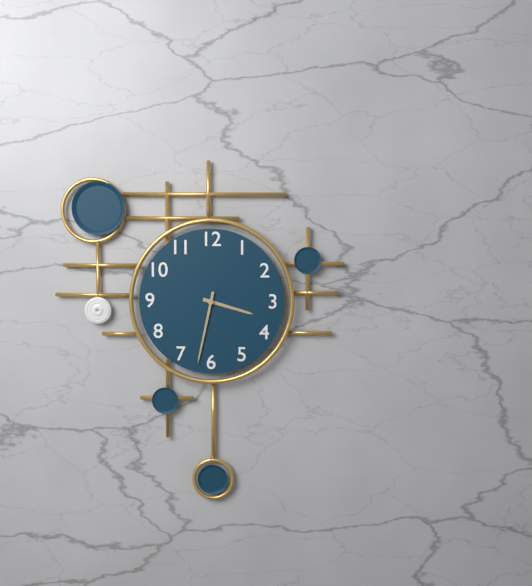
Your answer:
{"hour": 3, "minute": 32}
